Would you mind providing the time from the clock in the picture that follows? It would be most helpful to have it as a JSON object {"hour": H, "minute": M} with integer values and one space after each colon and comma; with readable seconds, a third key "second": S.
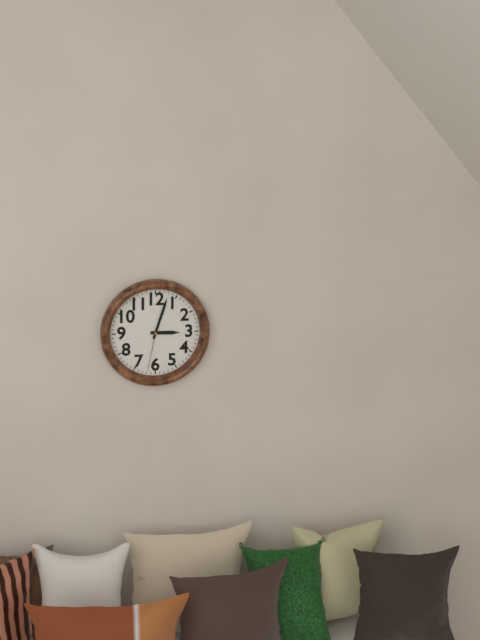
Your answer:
{"hour": 3, "minute": 3}
